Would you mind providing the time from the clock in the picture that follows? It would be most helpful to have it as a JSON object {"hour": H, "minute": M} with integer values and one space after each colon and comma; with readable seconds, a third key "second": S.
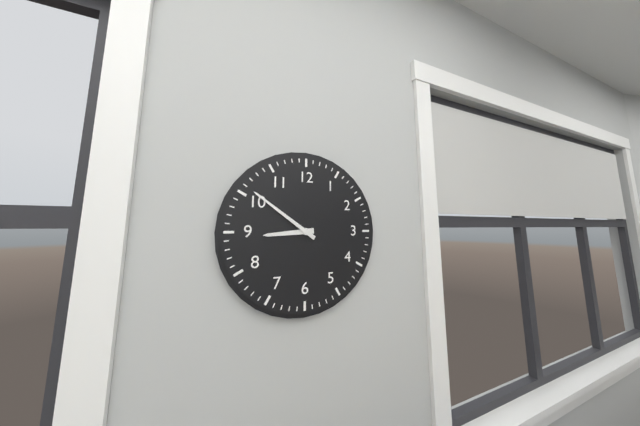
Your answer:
{"hour": 8, "minute": 51}
